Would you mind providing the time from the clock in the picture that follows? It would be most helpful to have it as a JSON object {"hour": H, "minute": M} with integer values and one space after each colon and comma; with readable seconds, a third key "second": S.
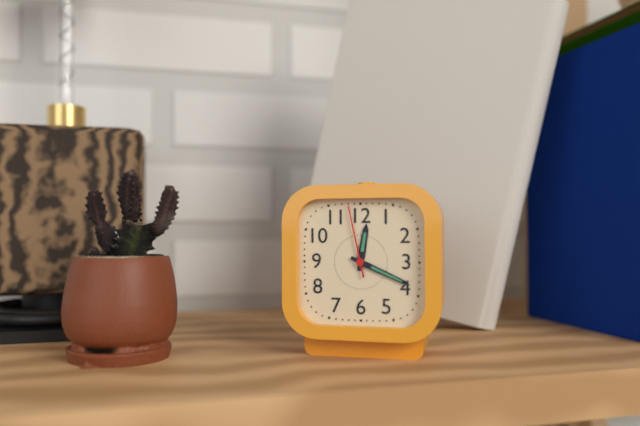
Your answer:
{"hour": 12, "minute": 19, "second": 58}
